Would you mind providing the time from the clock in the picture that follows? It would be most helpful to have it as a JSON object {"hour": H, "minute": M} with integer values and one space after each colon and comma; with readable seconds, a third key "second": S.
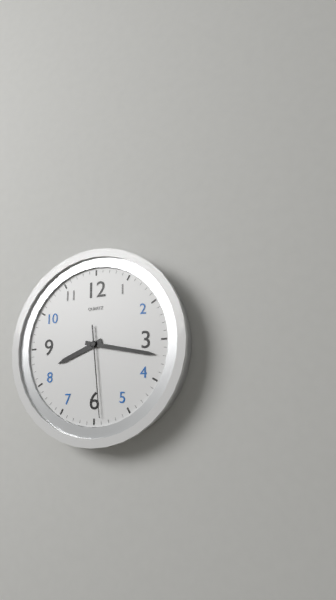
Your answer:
{"hour": 8, "minute": 17, "second": 29}
